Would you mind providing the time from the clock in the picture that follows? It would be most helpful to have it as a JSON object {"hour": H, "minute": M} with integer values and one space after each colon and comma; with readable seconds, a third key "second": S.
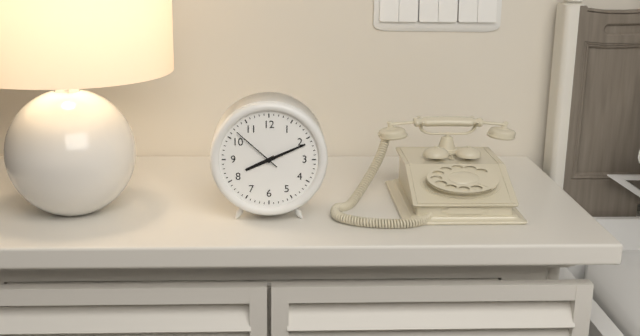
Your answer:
{"hour": 8, "minute": 11, "second": 52}
